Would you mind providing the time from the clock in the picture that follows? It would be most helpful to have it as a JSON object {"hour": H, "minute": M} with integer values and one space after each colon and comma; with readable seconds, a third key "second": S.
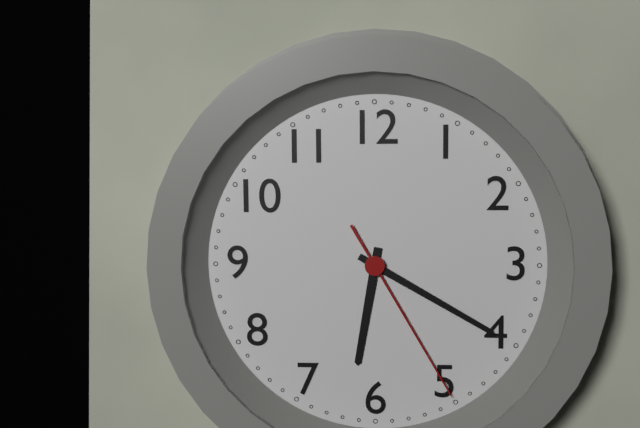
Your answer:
{"hour": 6, "minute": 20, "second": 25}
